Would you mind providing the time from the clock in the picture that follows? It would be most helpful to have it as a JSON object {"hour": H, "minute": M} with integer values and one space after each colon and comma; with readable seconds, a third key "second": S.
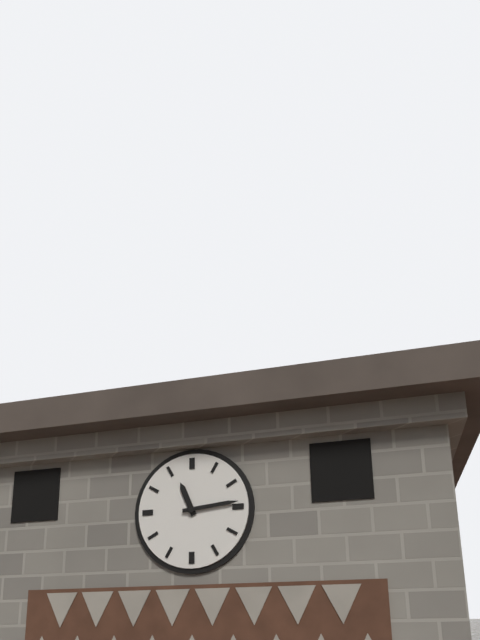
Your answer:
{"hour": 11, "minute": 14}
